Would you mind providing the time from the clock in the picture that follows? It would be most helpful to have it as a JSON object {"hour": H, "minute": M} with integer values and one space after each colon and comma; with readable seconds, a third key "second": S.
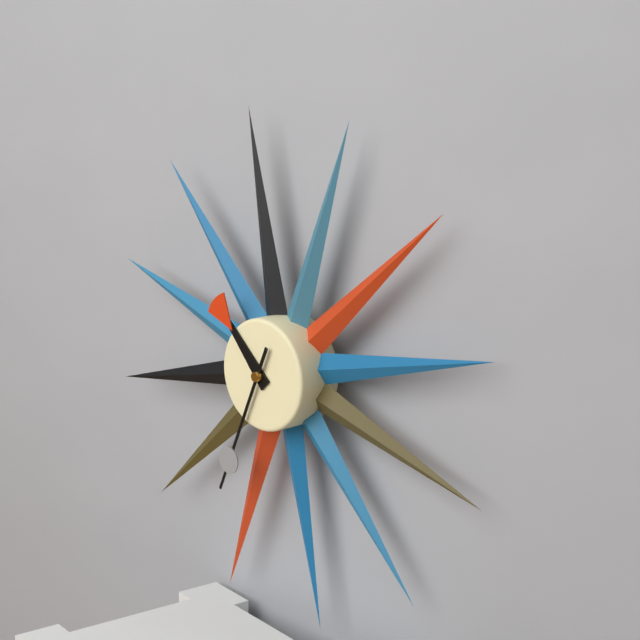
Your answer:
{"hour": 10, "minute": 34}
